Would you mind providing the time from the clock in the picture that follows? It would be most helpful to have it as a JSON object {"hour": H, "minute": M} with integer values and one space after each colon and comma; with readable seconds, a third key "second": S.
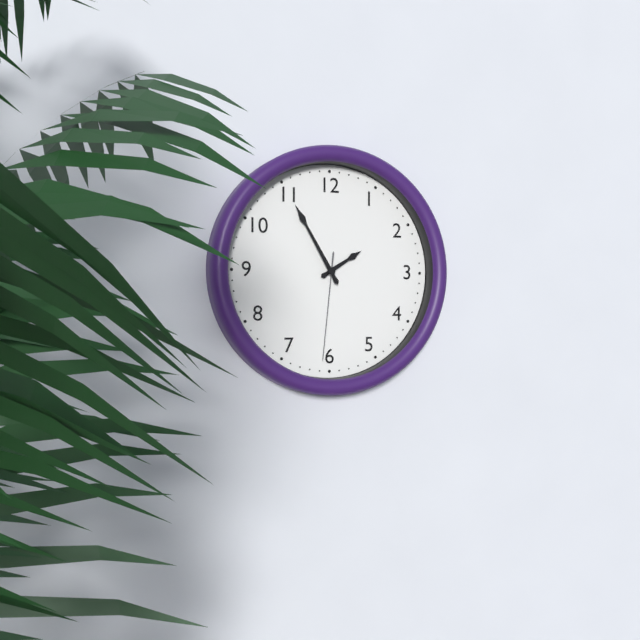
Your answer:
{"hour": 1, "minute": 55, "second": 31}
